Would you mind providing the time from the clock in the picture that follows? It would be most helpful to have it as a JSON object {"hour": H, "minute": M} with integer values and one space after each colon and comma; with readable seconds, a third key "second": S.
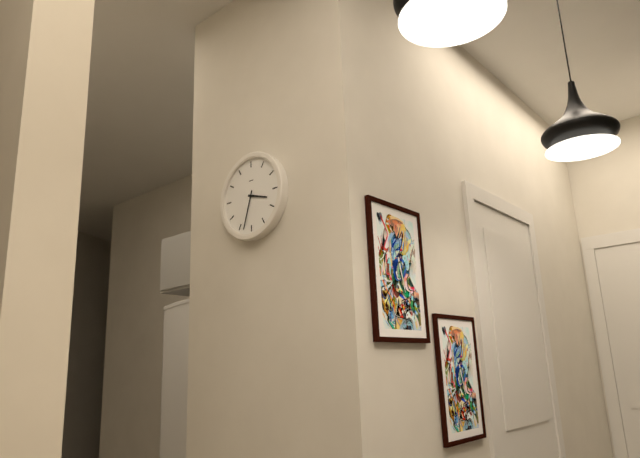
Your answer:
{"hour": 3, "minute": 33}
